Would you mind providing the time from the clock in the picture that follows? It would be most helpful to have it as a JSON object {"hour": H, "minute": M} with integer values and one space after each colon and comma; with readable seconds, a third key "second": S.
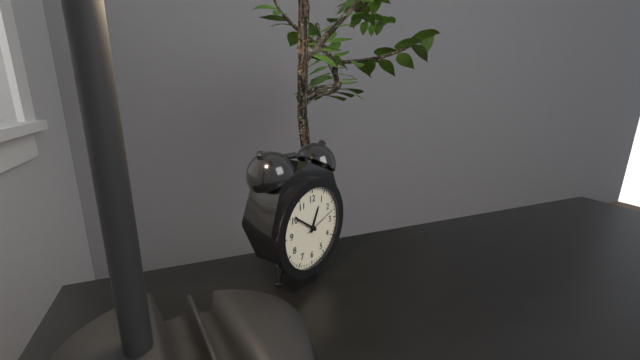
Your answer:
{"hour": 12, "minute": 51}
